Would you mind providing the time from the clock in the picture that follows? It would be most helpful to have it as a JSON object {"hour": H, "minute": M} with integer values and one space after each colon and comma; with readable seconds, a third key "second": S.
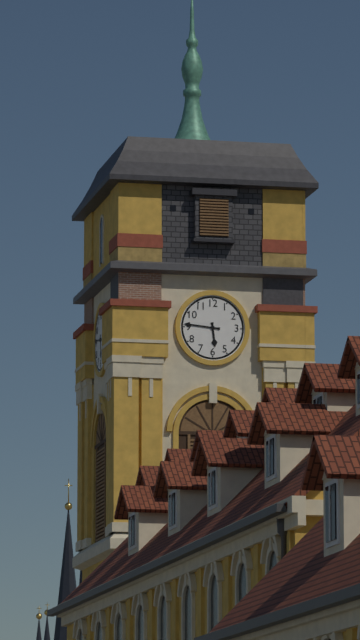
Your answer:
{"hour": 5, "minute": 46}
